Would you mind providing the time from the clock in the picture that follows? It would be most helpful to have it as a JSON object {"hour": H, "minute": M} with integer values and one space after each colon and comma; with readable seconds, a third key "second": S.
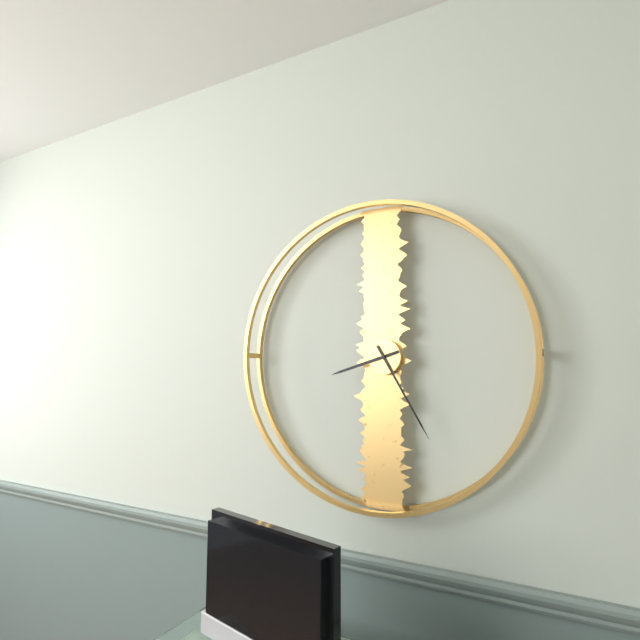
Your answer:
{"hour": 8, "minute": 25}
